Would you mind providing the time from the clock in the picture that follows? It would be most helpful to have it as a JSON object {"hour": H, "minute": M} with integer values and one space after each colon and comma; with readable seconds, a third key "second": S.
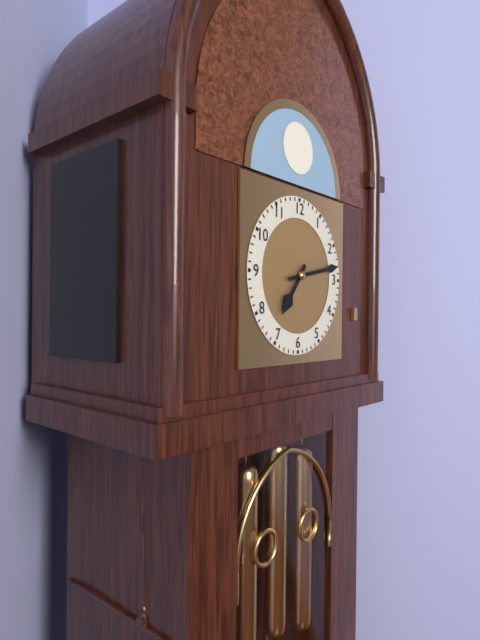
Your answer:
{"hour": 7, "minute": 13}
